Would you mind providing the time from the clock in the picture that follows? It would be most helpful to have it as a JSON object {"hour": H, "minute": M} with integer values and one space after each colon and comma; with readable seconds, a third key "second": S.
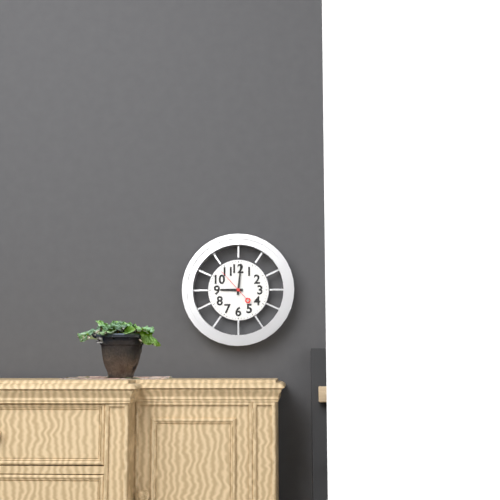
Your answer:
{"hour": 9, "minute": 1}
